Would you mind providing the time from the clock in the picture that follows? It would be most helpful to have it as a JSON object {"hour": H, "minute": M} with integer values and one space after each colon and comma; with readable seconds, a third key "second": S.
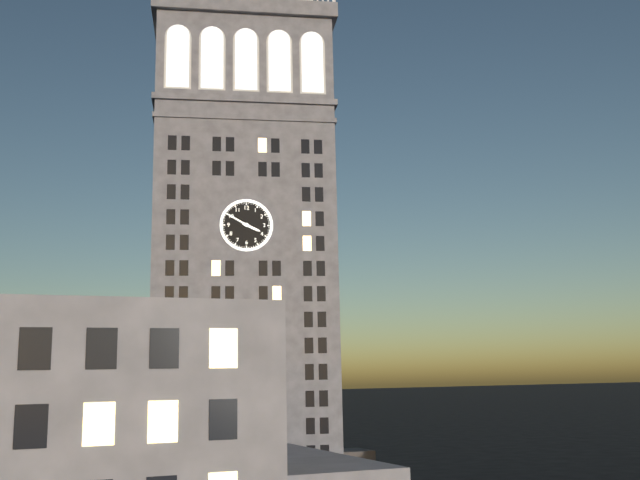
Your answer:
{"hour": 3, "minute": 50}
